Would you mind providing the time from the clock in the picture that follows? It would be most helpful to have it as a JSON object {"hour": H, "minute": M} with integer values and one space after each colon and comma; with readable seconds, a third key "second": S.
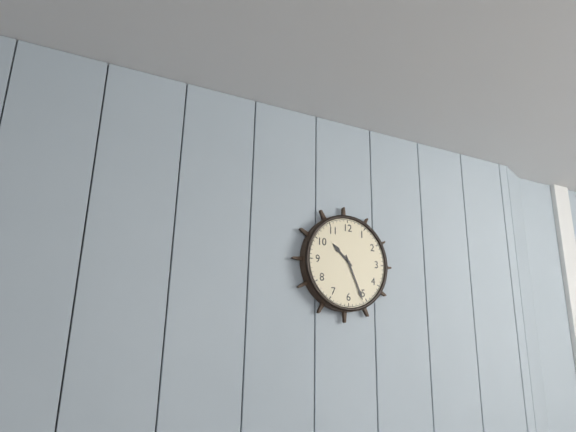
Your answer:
{"hour": 10, "minute": 26}
